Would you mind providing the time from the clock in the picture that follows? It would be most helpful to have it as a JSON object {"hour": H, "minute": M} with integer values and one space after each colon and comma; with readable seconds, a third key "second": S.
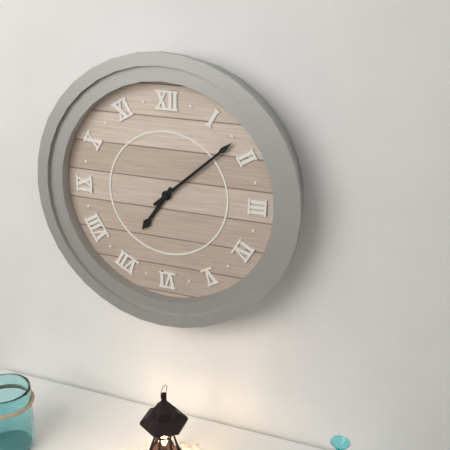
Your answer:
{"hour": 7, "minute": 8}
